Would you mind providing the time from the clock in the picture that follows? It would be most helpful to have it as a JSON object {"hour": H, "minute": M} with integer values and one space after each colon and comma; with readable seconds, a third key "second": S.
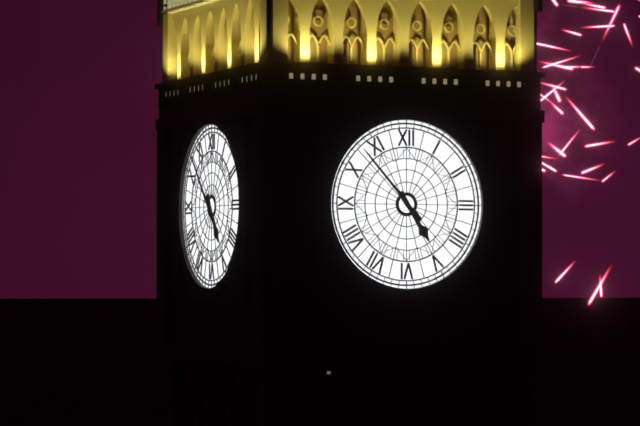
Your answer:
{"hour": 4, "minute": 53}
